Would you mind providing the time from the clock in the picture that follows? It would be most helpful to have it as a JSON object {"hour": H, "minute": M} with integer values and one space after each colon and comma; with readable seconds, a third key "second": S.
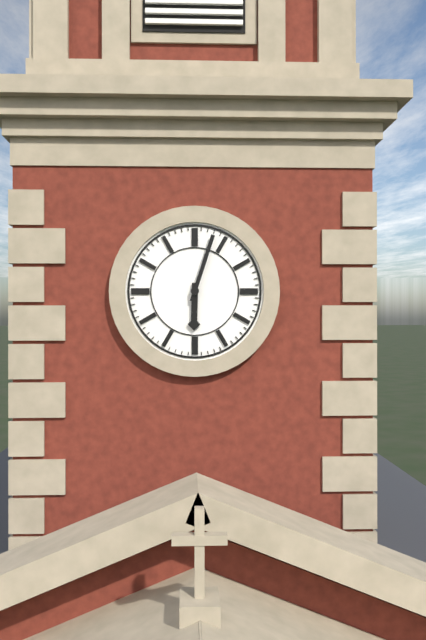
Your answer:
{"hour": 6, "minute": 3}
